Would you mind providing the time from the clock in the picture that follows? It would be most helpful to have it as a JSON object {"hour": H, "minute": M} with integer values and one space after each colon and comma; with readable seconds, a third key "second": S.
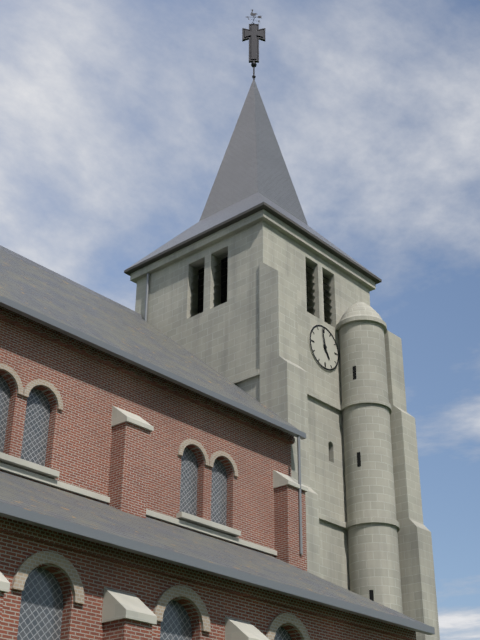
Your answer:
{"hour": 4, "minute": 58}
